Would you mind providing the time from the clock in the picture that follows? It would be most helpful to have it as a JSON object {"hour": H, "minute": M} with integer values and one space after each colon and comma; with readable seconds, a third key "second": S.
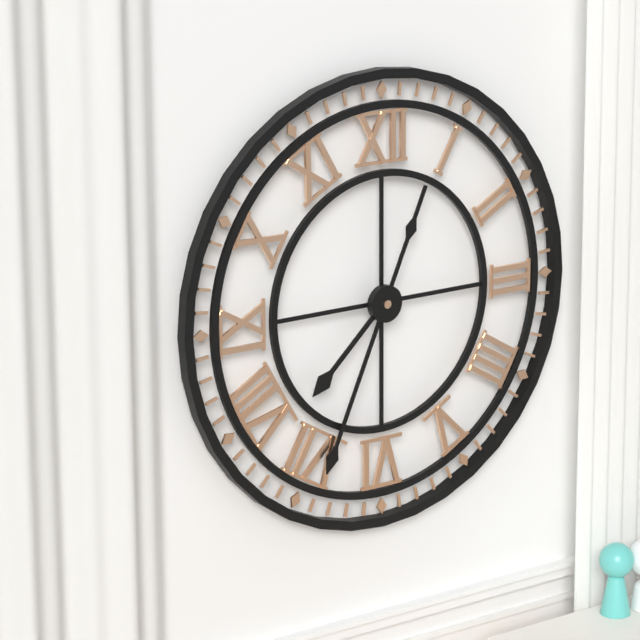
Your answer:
{"hour": 7, "minute": 34}
